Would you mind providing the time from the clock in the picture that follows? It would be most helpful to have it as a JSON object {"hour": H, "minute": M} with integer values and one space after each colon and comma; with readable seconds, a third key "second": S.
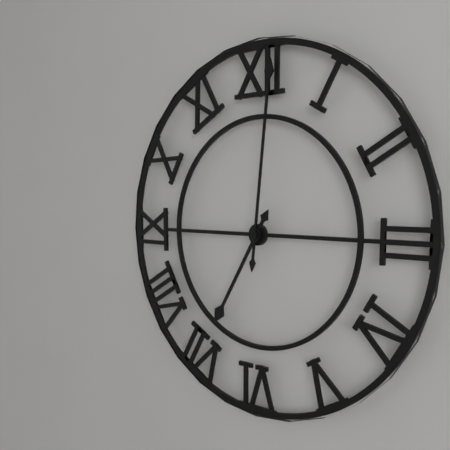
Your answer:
{"hour": 7, "minute": 1}
